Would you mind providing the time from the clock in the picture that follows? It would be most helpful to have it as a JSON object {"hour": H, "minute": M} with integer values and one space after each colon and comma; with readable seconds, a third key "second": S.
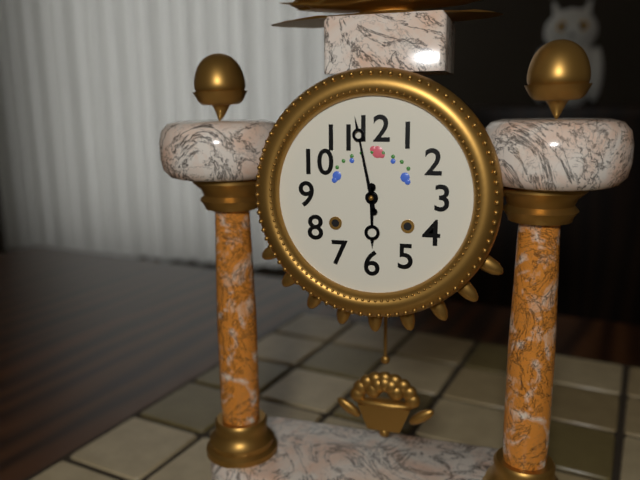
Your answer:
{"hour": 5, "minute": 58}
